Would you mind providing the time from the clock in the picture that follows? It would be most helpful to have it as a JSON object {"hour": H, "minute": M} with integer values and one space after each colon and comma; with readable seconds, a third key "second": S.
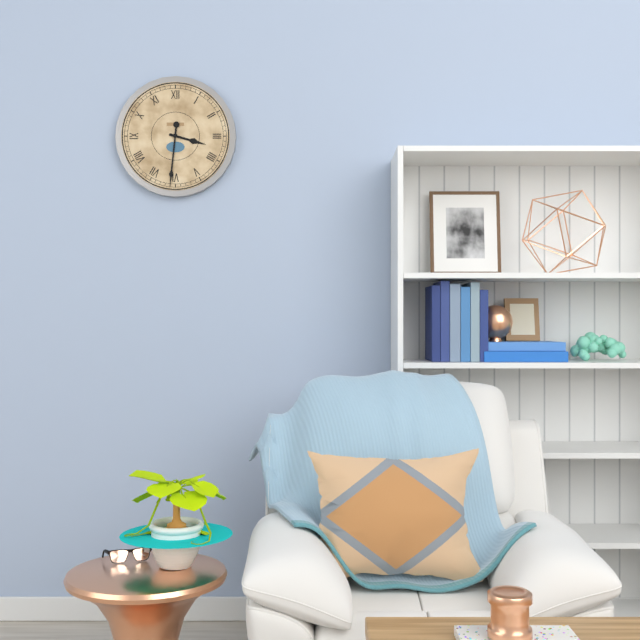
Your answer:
{"hour": 3, "minute": 31}
